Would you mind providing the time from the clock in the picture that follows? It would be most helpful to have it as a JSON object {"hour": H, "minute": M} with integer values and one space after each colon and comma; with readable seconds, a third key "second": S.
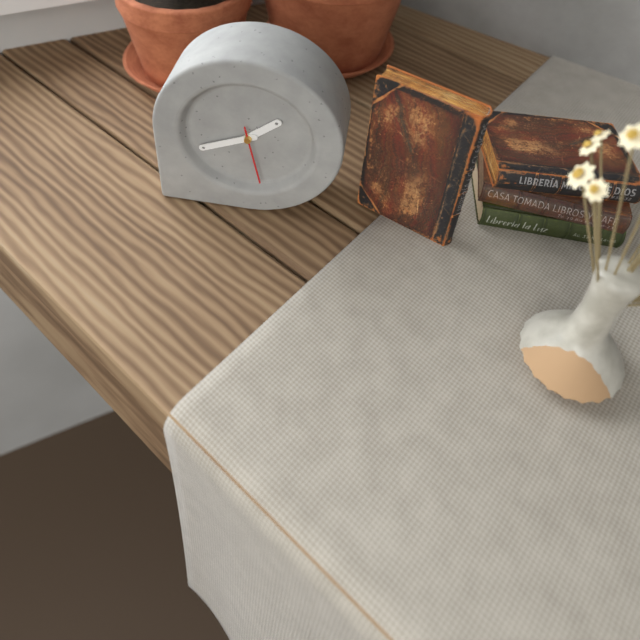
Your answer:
{"hour": 1, "minute": 41, "second": 28}
